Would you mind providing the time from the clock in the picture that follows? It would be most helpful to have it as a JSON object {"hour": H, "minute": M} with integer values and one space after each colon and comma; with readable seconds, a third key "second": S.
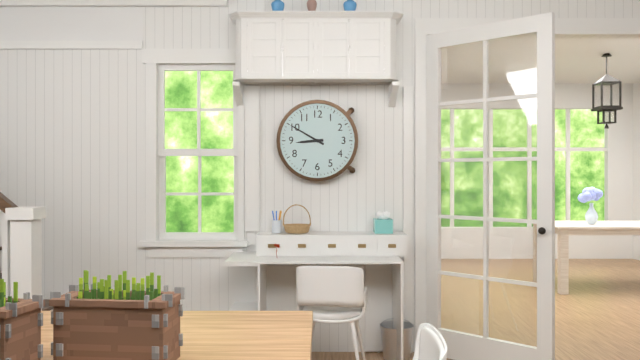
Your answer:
{"hour": 8, "minute": 50}
